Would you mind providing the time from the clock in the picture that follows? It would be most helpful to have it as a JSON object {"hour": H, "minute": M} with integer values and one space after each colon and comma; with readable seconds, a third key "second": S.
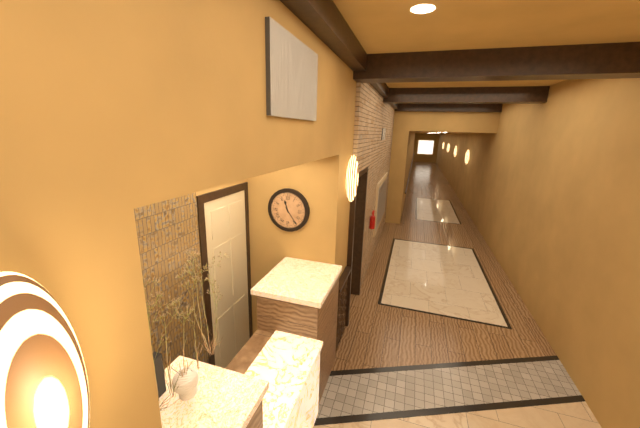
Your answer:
{"hour": 11, "minute": 24}
